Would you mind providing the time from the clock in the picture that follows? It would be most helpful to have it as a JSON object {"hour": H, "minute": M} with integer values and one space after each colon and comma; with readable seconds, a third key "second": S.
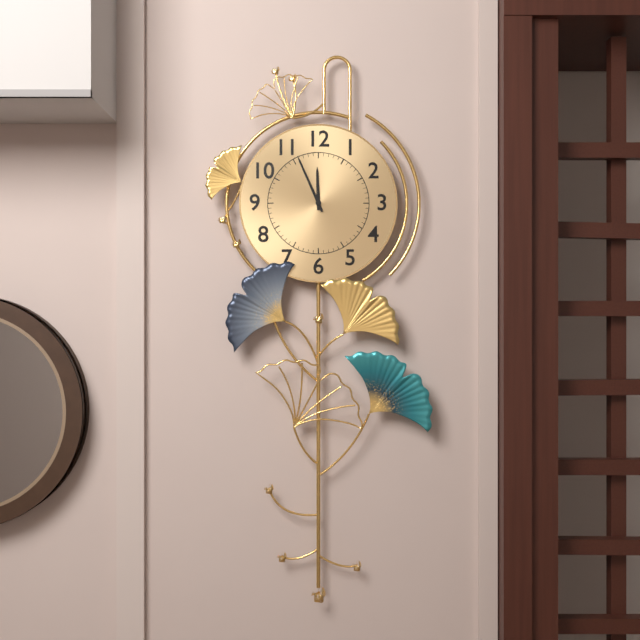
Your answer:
{"hour": 11, "minute": 56}
